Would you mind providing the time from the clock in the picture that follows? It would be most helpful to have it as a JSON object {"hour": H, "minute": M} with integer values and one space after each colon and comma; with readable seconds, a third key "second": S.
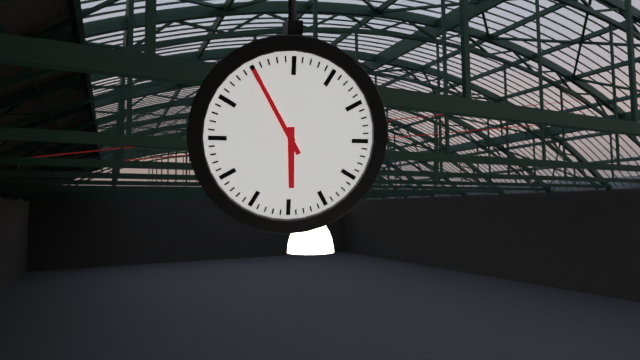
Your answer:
{"hour": 5, "minute": 55}
